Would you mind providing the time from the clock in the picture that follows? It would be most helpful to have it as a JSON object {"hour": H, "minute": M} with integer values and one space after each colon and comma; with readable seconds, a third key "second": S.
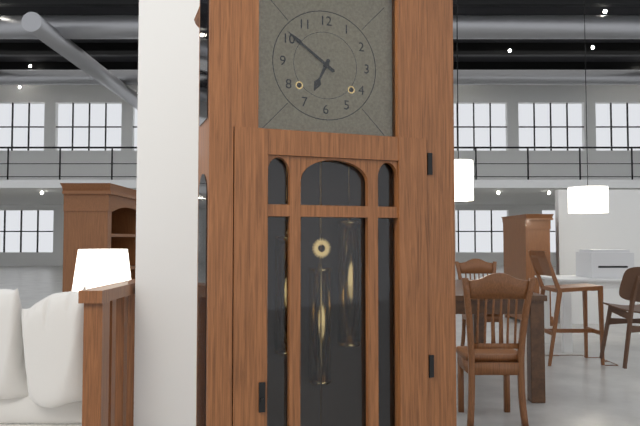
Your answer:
{"hour": 6, "minute": 51}
